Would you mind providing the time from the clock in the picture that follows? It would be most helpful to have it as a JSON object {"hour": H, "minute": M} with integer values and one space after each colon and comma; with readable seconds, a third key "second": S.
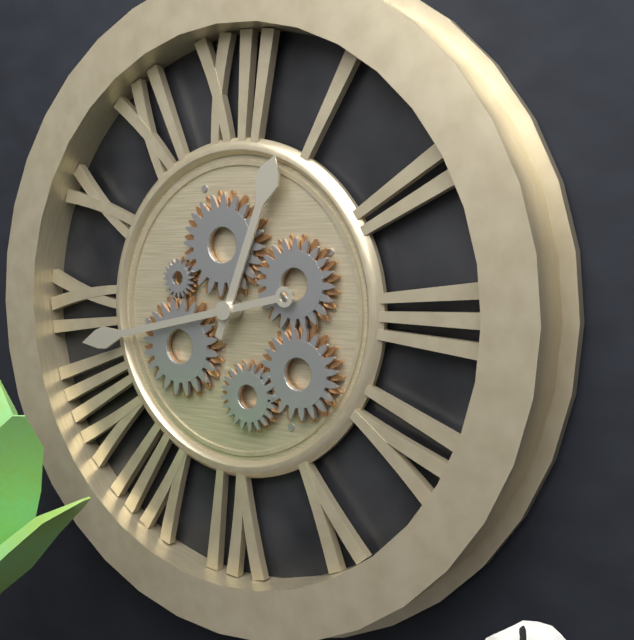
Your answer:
{"hour": 12, "minute": 43}
